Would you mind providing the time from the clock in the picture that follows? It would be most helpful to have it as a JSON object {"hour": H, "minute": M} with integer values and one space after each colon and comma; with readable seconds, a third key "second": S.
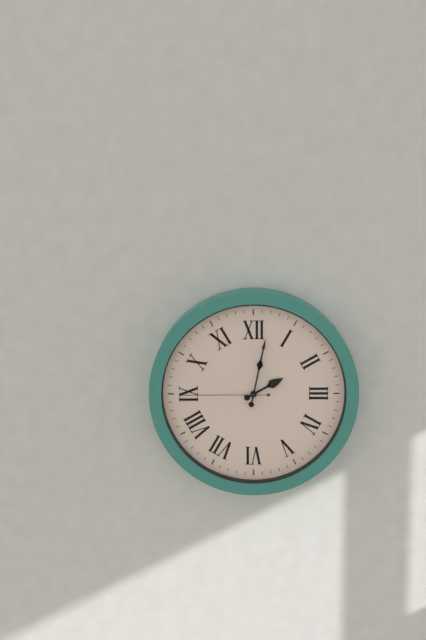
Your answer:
{"hour": 2, "minute": 2, "second": 45}
